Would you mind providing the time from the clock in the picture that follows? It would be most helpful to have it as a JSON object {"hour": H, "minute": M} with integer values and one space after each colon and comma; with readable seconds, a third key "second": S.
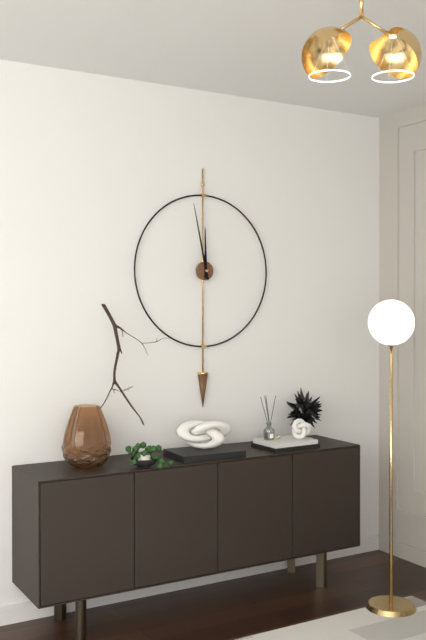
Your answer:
{"hour": 11, "minute": 58}
